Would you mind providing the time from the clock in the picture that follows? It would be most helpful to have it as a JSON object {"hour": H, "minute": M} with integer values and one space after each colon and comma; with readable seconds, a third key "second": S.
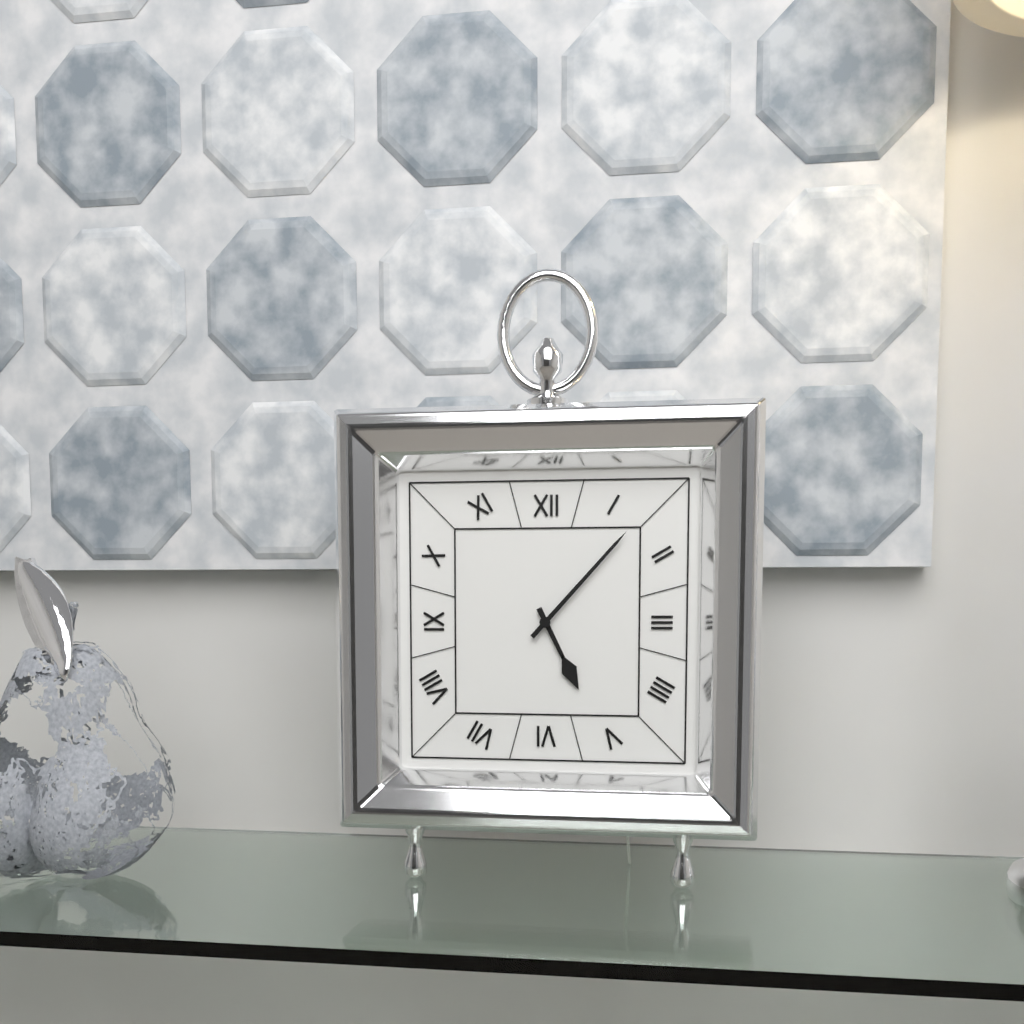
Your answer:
{"hour": 5, "minute": 7}
